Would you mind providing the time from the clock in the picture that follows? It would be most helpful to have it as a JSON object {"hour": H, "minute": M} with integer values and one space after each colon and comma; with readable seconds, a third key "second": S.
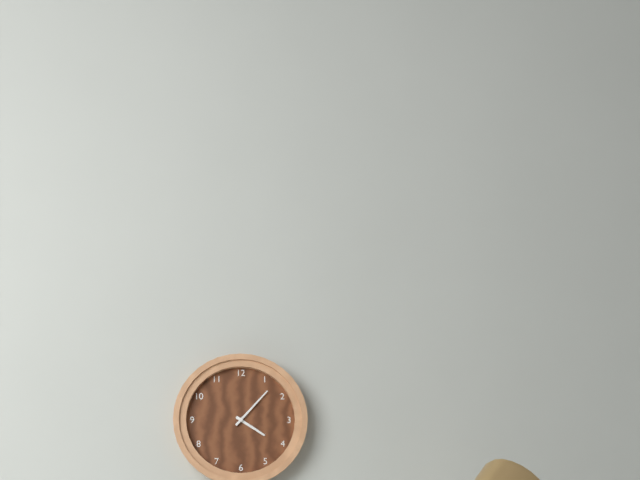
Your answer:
{"hour": 4, "minute": 7}
